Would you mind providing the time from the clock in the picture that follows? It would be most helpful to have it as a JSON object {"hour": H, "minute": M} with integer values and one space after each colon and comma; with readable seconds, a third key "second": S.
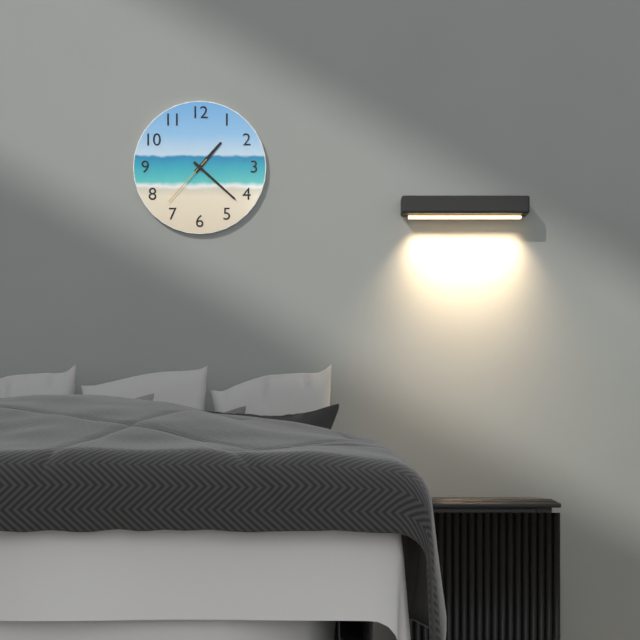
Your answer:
{"hour": 1, "minute": 22, "second": 37}
